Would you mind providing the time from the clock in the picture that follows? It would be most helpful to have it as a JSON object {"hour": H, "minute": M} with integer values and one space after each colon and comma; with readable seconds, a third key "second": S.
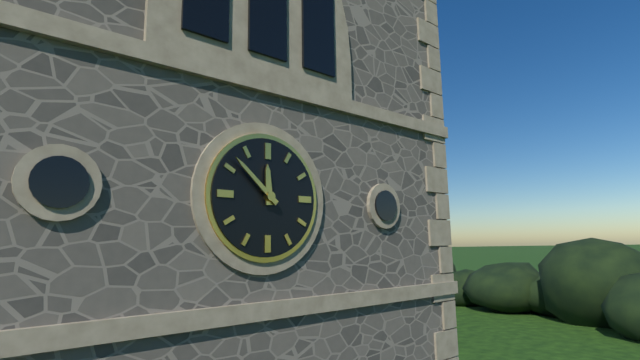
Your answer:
{"hour": 11, "minute": 52}
